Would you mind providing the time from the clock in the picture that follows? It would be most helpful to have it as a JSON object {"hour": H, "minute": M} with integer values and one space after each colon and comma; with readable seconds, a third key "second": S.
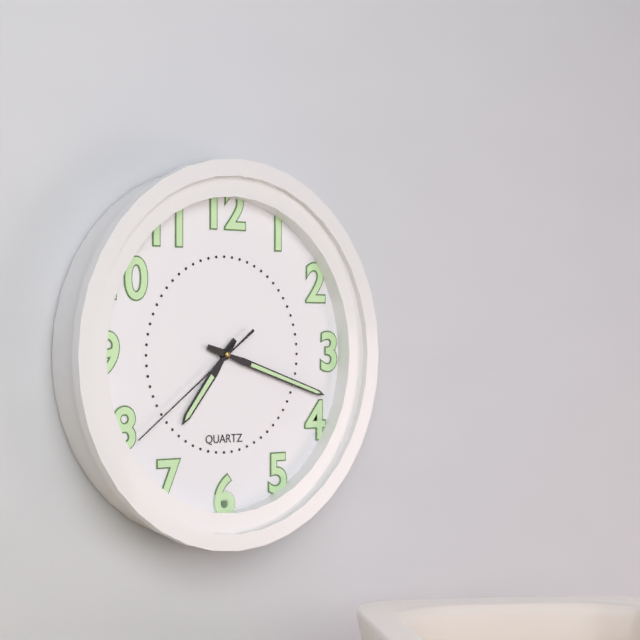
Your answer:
{"hour": 7, "minute": 18, "second": 39}
